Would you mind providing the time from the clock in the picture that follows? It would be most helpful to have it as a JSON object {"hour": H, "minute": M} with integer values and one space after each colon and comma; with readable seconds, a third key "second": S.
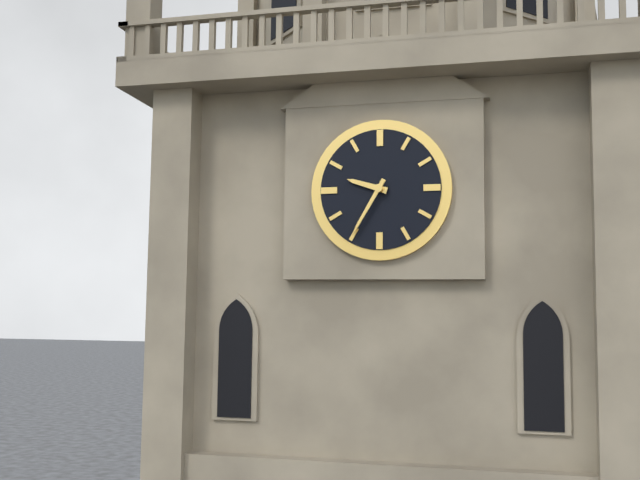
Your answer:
{"hour": 9, "minute": 35}
